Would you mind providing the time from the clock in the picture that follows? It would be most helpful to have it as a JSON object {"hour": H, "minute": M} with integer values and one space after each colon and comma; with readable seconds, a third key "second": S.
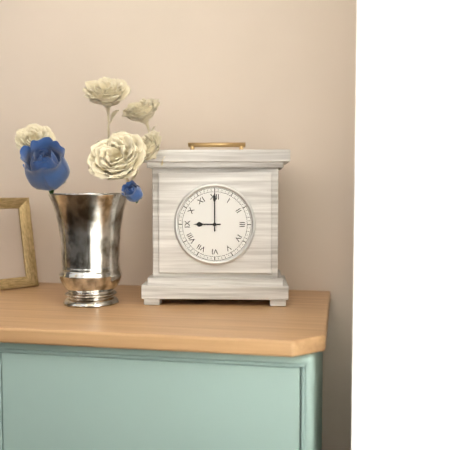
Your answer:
{"hour": 9, "minute": 0}
